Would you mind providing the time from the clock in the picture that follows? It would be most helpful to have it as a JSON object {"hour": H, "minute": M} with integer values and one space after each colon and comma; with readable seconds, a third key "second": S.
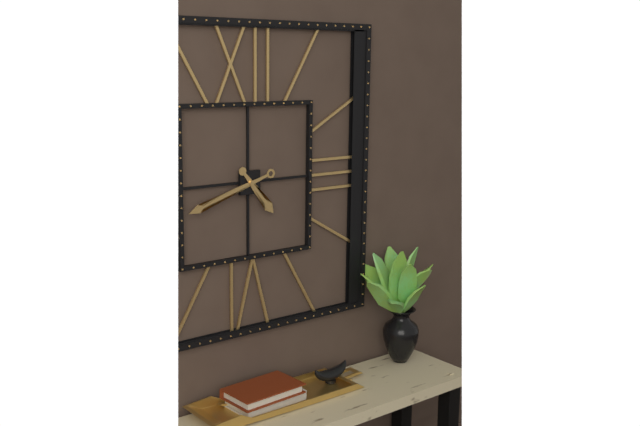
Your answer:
{"hour": 4, "minute": 42}
